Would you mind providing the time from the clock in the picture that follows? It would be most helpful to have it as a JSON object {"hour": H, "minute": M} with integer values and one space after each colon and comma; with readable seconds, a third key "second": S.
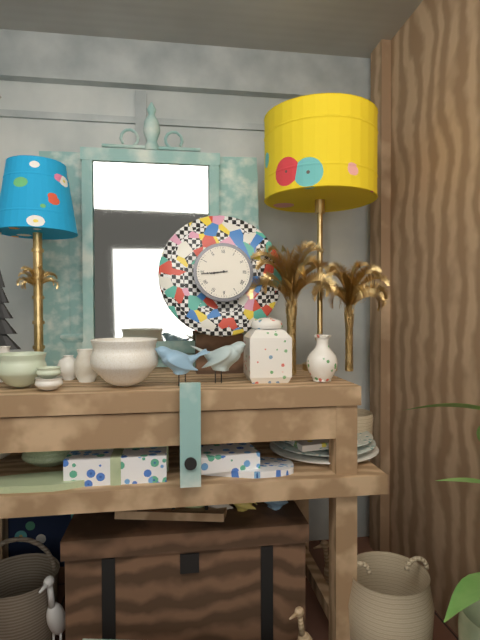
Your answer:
{"hour": 8, "minute": 44}
